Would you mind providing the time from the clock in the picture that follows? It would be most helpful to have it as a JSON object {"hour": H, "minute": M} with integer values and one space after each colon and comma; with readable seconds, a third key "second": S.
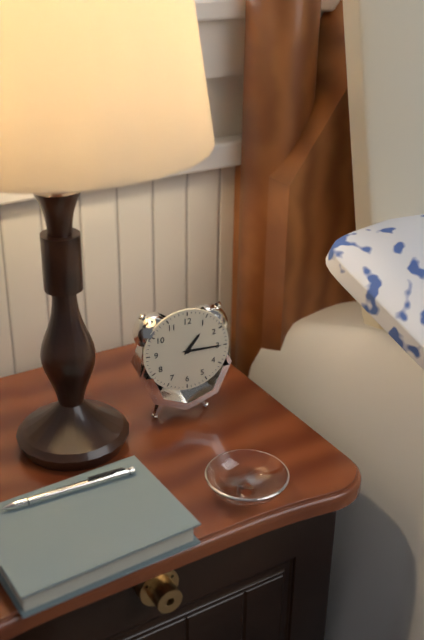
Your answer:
{"hour": 1, "minute": 15}
